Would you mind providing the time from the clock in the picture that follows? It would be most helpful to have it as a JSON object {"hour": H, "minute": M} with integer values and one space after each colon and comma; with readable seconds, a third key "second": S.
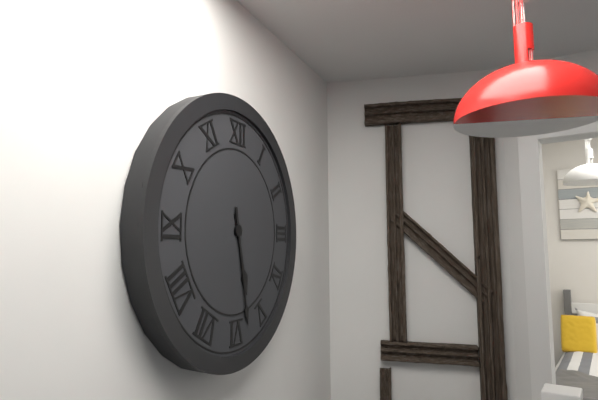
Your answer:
{"hour": 5, "minute": 28}
